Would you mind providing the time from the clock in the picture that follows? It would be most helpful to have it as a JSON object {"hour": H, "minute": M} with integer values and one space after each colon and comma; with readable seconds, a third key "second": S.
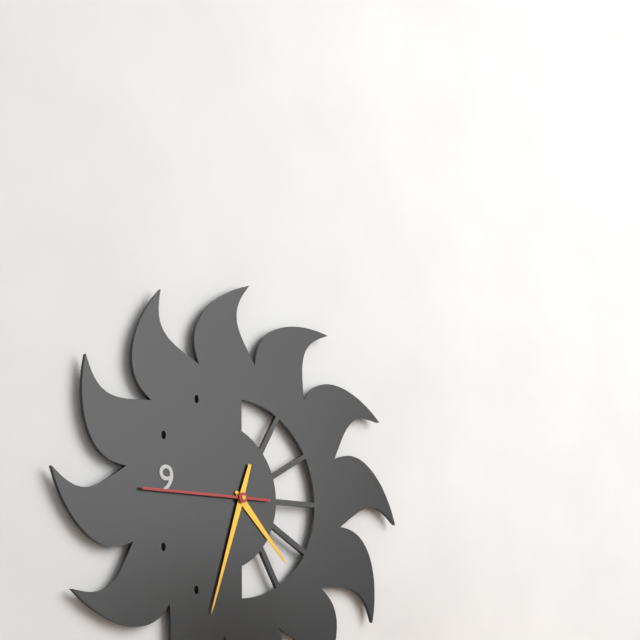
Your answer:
{"hour": 4, "minute": 33, "second": 45}
